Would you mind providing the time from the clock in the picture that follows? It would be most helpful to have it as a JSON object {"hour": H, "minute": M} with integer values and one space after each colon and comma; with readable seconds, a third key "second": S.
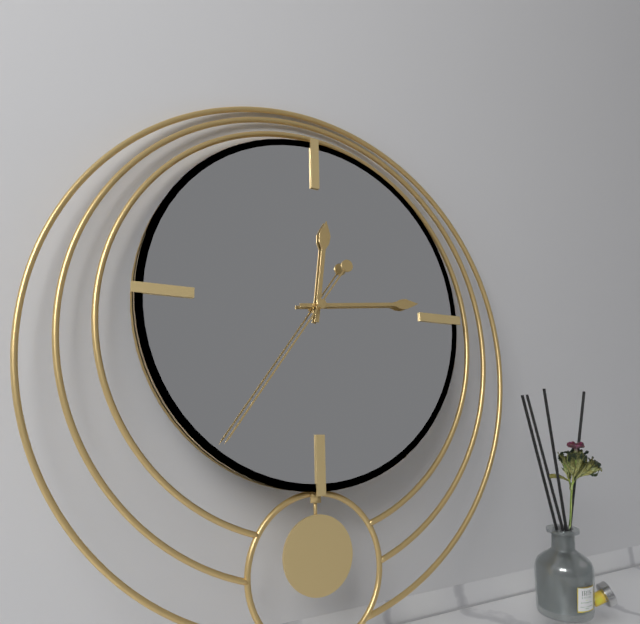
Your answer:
{"hour": 12, "minute": 14, "second": 36}
